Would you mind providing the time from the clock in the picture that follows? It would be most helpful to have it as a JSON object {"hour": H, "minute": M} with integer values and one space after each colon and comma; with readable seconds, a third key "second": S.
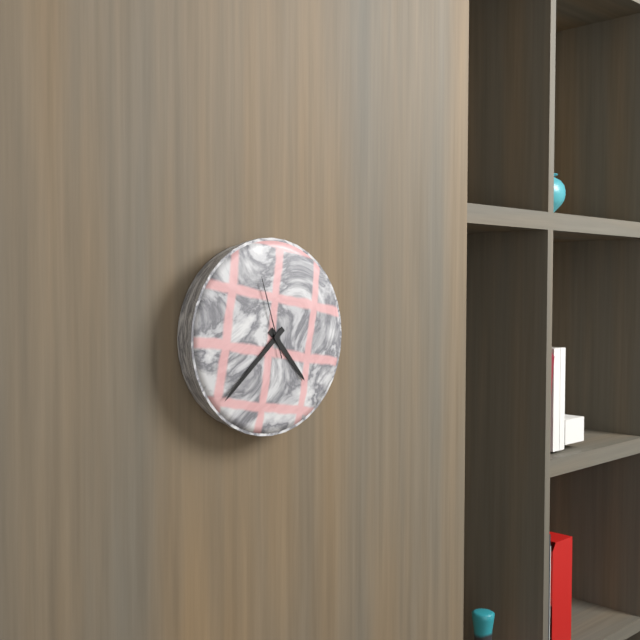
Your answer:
{"hour": 4, "minute": 38, "second": 57}
